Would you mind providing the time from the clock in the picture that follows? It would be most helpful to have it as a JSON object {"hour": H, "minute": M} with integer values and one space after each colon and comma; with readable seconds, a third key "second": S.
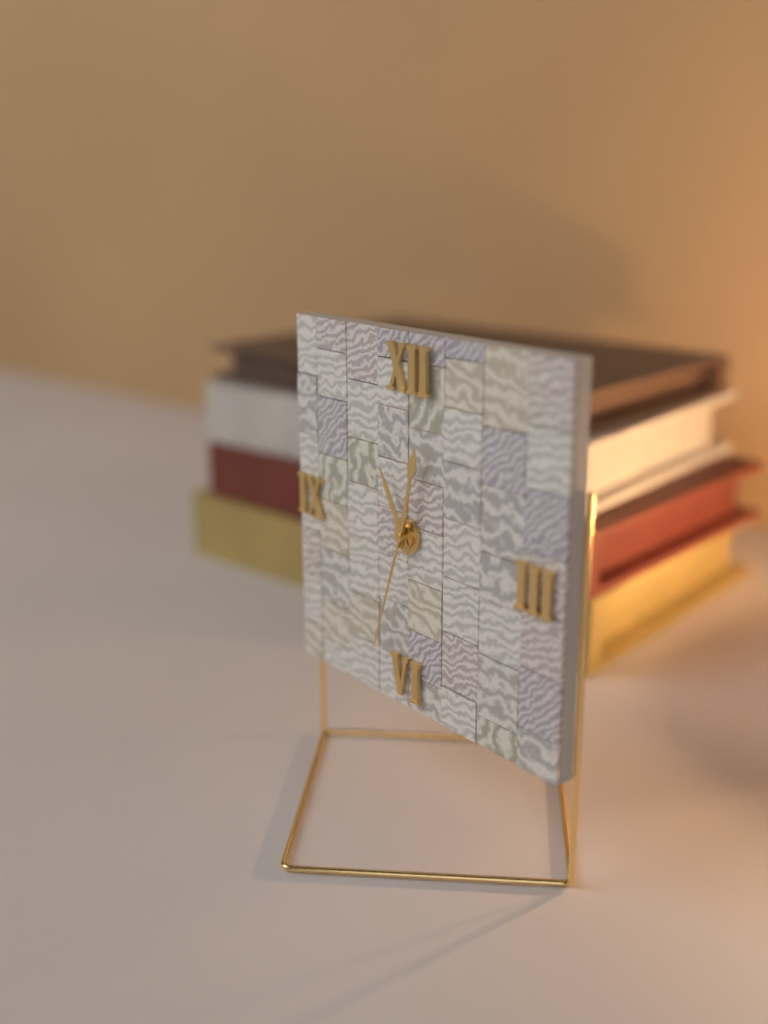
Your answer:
{"hour": 11, "minute": 2, "second": 33}
